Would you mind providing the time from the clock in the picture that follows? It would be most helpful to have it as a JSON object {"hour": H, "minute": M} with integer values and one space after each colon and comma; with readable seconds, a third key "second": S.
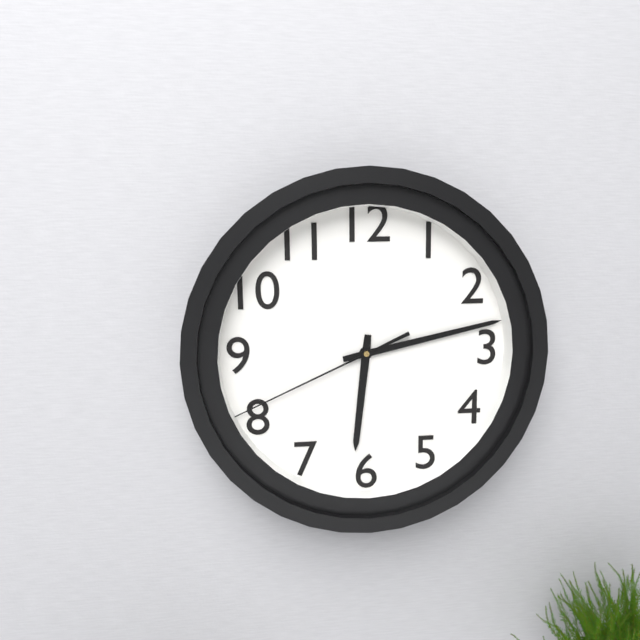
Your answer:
{"hour": 6, "minute": 13, "second": 41}
